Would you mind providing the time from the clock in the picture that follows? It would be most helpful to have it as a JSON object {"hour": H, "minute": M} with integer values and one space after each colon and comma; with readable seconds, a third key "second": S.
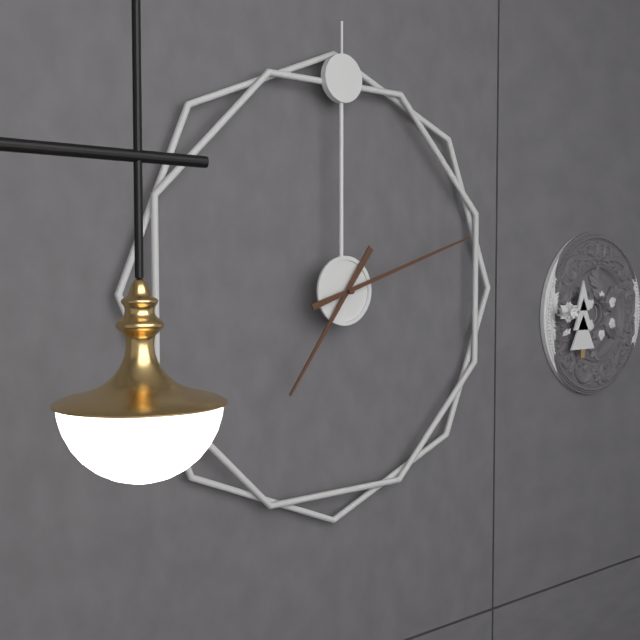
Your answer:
{"hour": 7, "minute": 12}
